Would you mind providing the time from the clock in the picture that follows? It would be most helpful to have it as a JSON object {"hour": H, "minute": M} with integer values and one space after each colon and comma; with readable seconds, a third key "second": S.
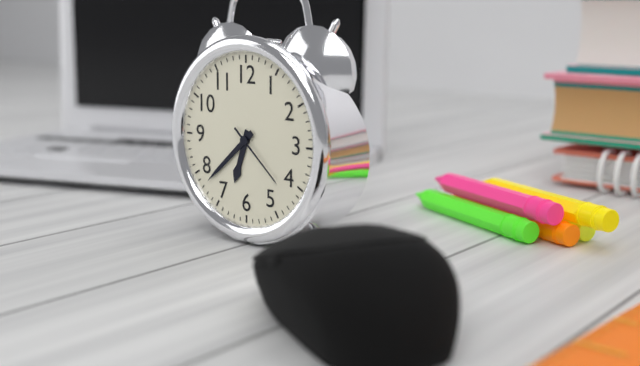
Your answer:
{"hour": 6, "minute": 38, "second": 22}
